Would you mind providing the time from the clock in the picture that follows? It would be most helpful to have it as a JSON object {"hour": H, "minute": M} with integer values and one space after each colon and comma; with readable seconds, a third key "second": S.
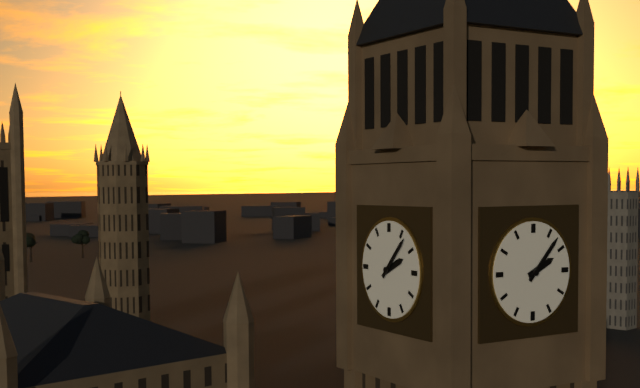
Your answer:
{"hour": 2, "minute": 7}
